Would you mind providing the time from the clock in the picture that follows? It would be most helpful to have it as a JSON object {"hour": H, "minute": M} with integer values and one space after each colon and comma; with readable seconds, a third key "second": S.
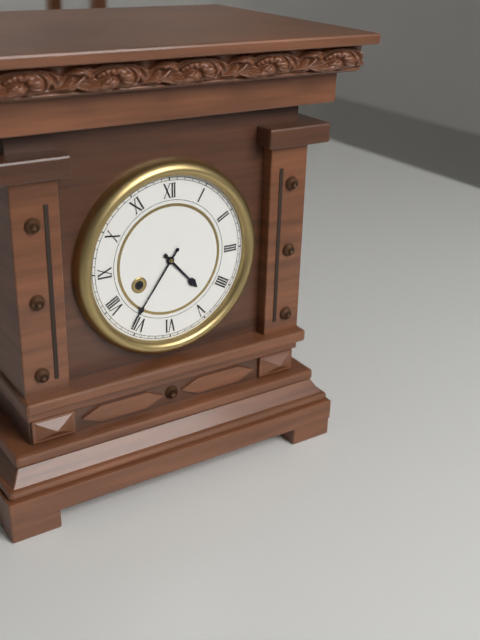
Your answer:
{"hour": 4, "minute": 36}
